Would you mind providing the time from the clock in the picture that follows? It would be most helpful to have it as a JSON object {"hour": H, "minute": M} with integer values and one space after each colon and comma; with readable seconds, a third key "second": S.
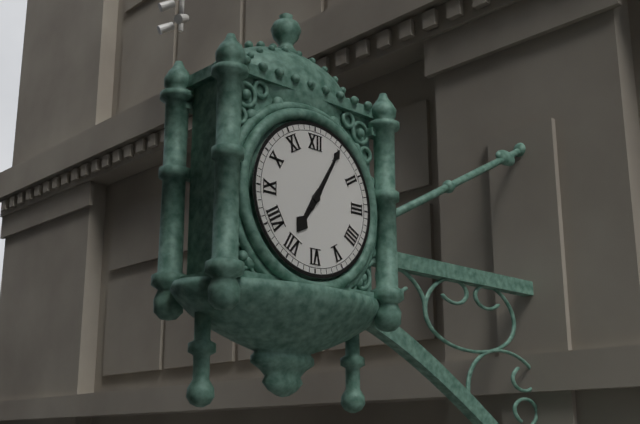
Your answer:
{"hour": 7, "minute": 5}
